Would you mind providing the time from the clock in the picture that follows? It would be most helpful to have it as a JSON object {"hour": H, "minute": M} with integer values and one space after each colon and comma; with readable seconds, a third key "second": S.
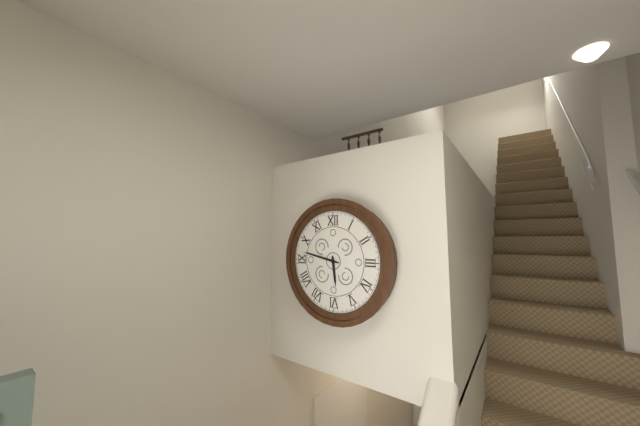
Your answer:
{"hour": 5, "minute": 47}
